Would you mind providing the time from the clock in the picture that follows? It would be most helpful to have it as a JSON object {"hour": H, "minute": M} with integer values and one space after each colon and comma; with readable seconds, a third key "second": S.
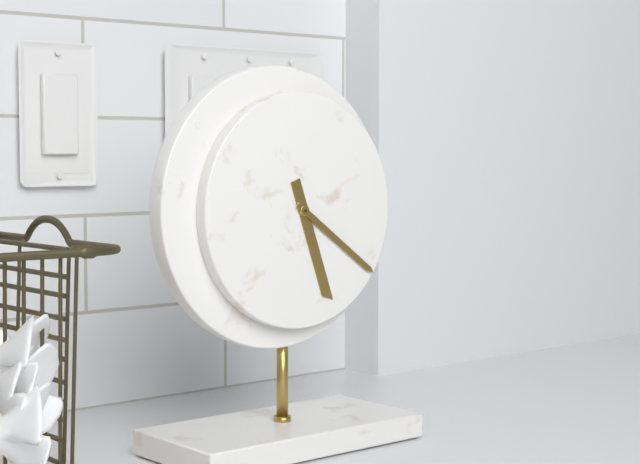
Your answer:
{"hour": 5, "minute": 21}
